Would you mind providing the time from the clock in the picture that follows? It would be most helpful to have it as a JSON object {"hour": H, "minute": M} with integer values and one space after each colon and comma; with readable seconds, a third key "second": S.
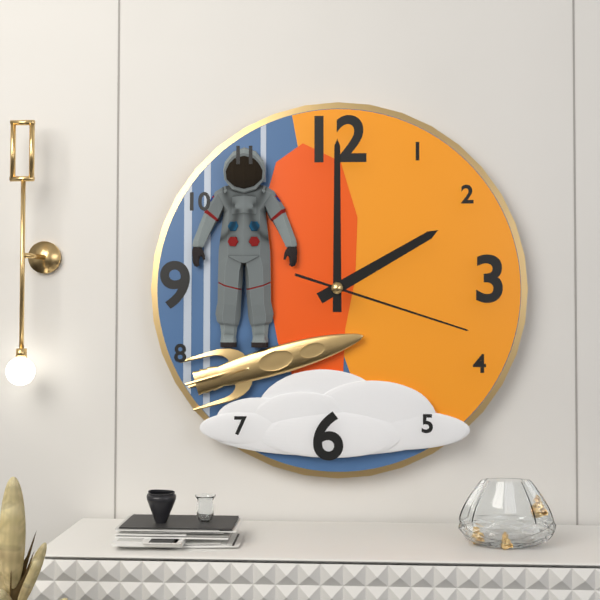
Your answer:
{"hour": 2, "minute": 0, "second": 18}
